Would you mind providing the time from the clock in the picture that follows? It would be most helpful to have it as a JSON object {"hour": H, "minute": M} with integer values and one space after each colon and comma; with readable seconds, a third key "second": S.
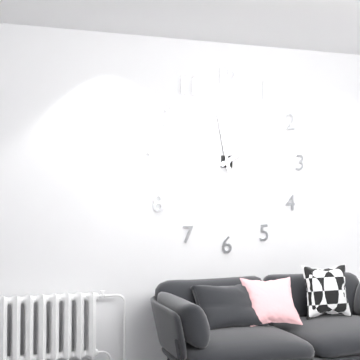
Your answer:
{"hour": 1, "minute": 58}
